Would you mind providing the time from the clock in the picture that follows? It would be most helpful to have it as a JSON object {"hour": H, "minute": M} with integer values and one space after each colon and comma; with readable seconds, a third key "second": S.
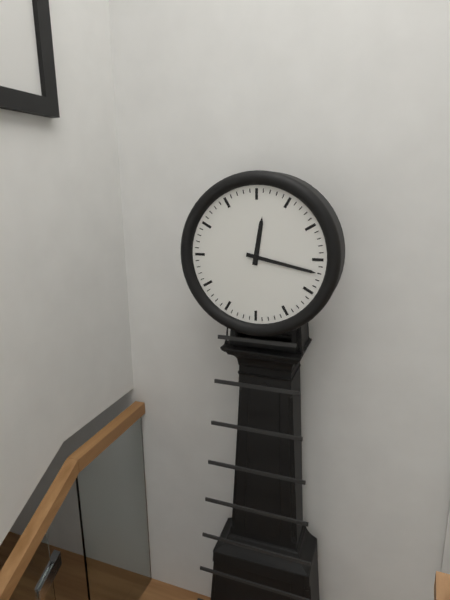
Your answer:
{"hour": 12, "minute": 17}
